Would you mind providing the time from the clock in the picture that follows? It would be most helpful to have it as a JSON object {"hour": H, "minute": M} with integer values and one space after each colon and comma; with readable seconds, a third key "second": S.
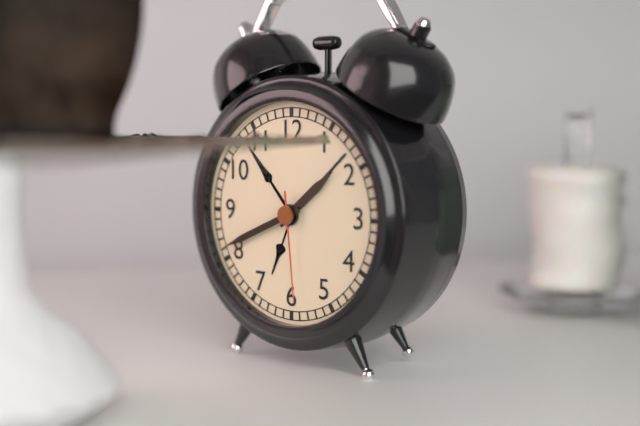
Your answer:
{"hour": 1, "minute": 41, "second": 29}
